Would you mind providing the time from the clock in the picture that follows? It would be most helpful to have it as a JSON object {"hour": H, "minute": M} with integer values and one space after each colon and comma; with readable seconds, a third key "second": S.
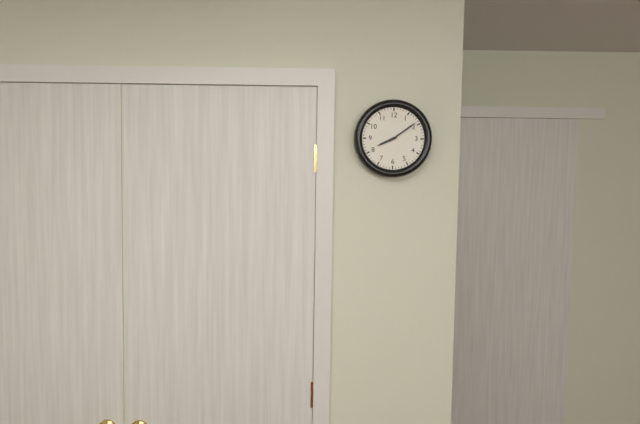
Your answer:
{"hour": 8, "minute": 9}
